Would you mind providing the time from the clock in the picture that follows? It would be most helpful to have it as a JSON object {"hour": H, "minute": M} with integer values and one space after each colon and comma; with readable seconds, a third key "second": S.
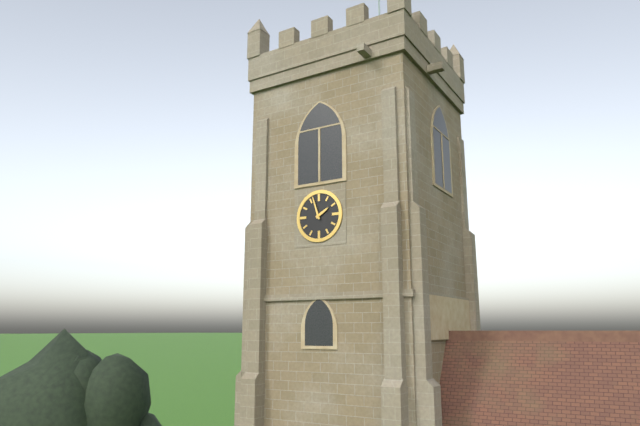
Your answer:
{"hour": 1, "minute": 57}
